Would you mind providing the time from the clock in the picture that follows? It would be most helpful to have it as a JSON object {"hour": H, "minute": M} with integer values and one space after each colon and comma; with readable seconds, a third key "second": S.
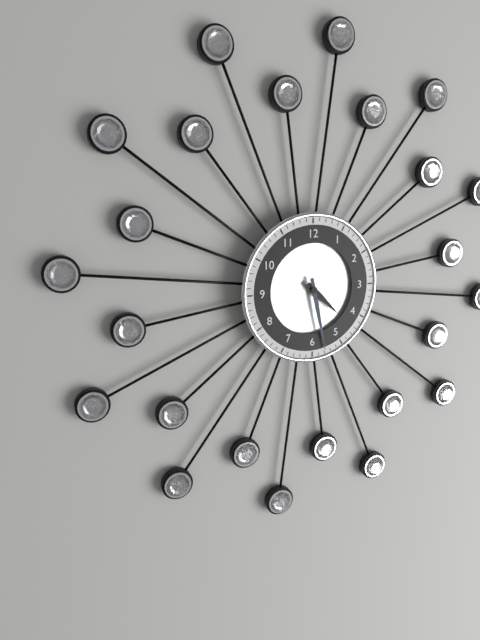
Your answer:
{"hour": 4, "minute": 28}
